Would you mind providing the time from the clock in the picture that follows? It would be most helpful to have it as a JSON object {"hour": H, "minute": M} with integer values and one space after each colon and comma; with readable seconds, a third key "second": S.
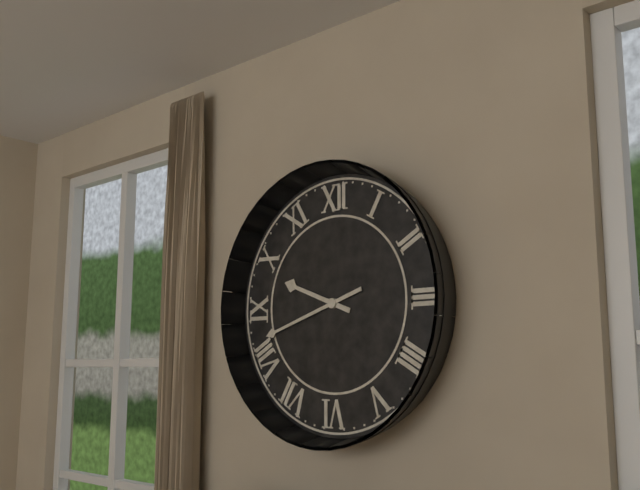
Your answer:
{"hour": 9, "minute": 42}
